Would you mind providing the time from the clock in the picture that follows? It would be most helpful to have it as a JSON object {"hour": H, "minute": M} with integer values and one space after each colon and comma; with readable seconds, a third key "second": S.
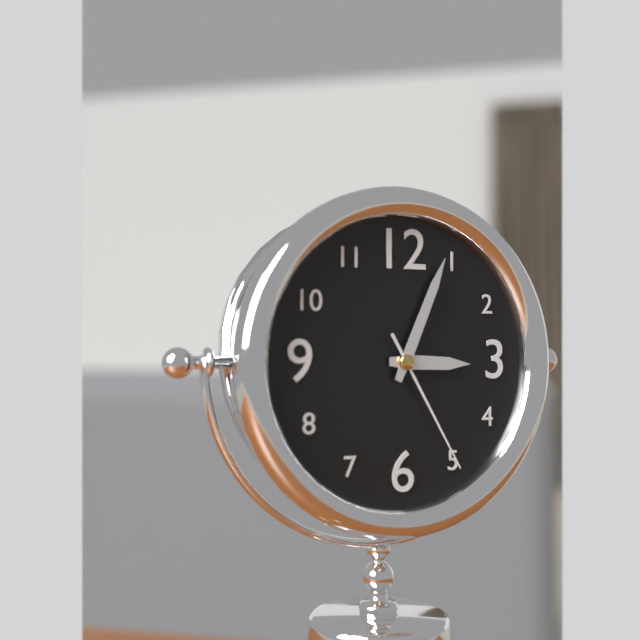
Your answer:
{"hour": 3, "minute": 4, "second": 25}
